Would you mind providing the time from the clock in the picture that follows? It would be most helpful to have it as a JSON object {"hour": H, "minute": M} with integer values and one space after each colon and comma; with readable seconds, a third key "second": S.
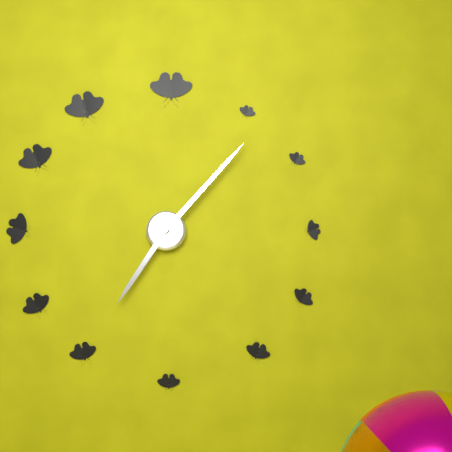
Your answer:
{"hour": 7, "minute": 7}
